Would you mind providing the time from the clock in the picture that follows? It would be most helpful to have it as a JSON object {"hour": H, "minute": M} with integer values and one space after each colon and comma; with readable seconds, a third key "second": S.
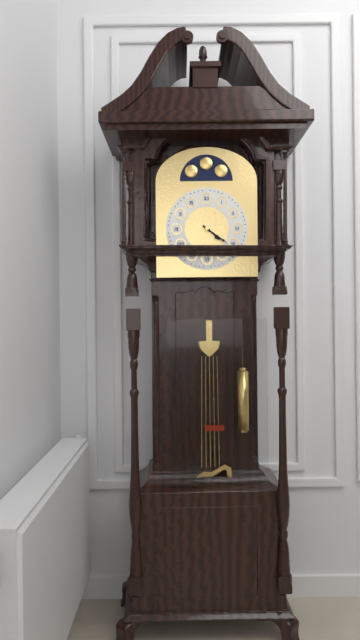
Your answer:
{"hour": 4, "minute": 21}
